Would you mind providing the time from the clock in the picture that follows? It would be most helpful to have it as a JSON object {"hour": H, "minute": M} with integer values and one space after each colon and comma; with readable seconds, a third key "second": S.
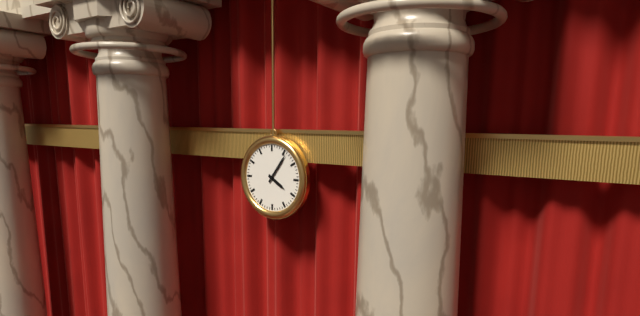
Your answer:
{"hour": 4, "minute": 6}
